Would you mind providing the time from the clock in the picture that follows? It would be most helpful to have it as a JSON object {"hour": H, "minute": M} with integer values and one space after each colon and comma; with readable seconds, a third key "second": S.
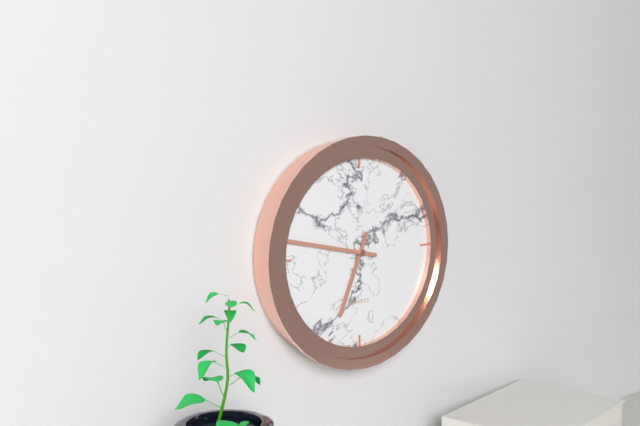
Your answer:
{"hour": 6, "minute": 47}
